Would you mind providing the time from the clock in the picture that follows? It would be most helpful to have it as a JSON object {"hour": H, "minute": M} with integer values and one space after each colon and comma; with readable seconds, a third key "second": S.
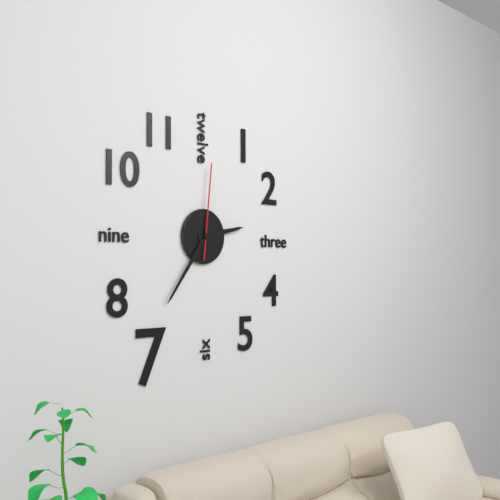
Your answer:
{"hour": 2, "minute": 36, "second": 1}
